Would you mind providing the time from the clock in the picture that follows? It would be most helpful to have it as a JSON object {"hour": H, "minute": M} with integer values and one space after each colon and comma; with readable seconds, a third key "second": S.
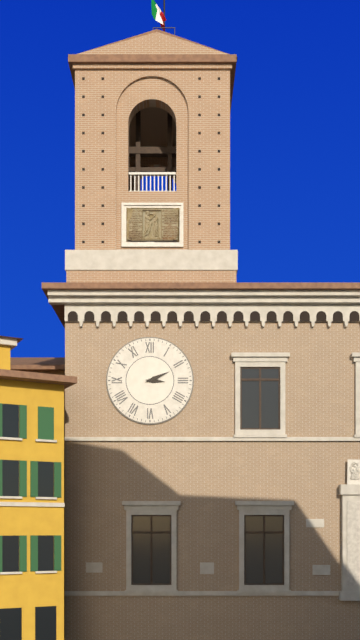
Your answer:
{"hour": 3, "minute": 11}
